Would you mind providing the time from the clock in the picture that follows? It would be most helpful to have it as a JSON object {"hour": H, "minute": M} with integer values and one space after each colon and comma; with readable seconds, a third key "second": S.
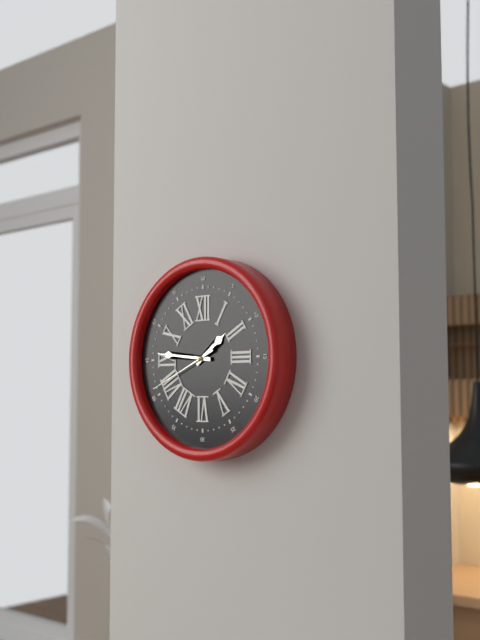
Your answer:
{"hour": 1, "minute": 46, "second": 41}
